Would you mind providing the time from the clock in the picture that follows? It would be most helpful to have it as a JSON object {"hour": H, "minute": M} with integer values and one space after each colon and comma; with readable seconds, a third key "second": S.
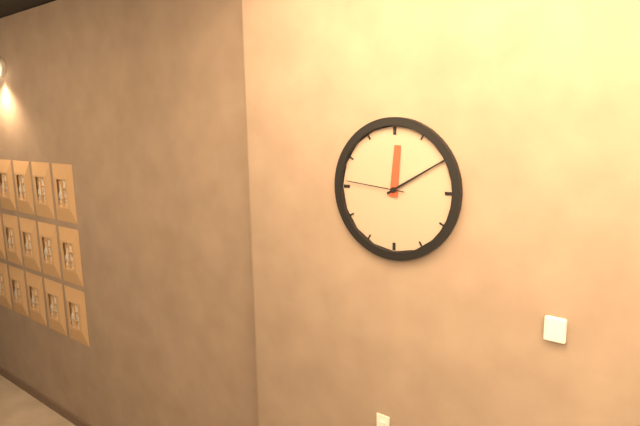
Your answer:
{"hour": 12, "minute": 10, "second": 46}
